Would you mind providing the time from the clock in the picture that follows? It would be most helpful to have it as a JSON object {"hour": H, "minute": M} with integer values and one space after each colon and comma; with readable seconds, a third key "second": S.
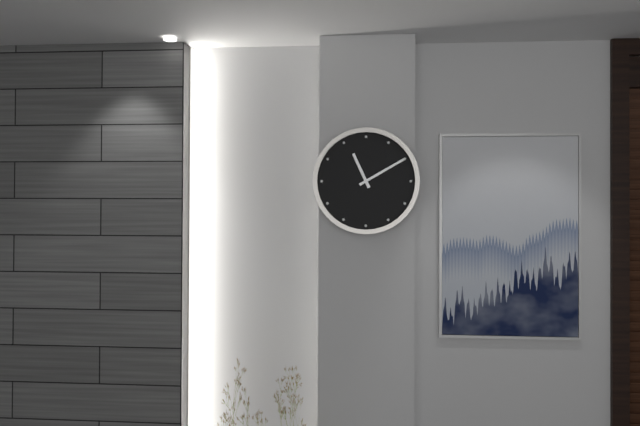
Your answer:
{"hour": 11, "minute": 10}
